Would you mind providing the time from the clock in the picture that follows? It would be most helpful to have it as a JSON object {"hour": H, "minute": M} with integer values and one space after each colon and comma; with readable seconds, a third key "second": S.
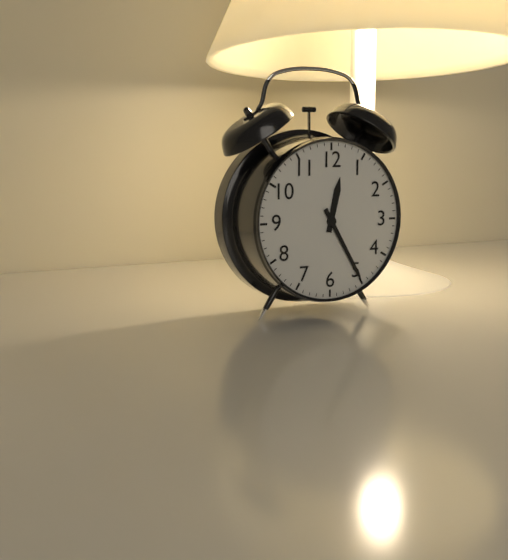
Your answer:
{"hour": 12, "minute": 25}
